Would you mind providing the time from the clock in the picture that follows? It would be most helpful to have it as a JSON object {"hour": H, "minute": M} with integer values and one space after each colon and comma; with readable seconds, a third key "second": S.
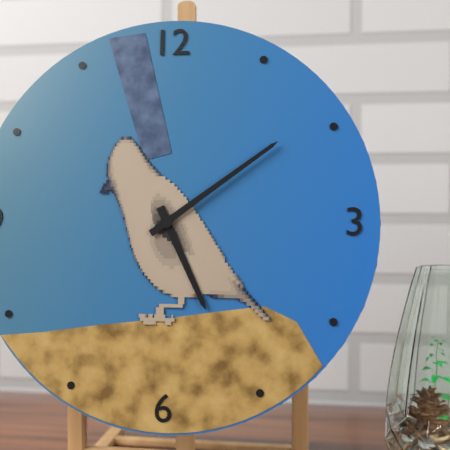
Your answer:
{"hour": 5, "minute": 9}
